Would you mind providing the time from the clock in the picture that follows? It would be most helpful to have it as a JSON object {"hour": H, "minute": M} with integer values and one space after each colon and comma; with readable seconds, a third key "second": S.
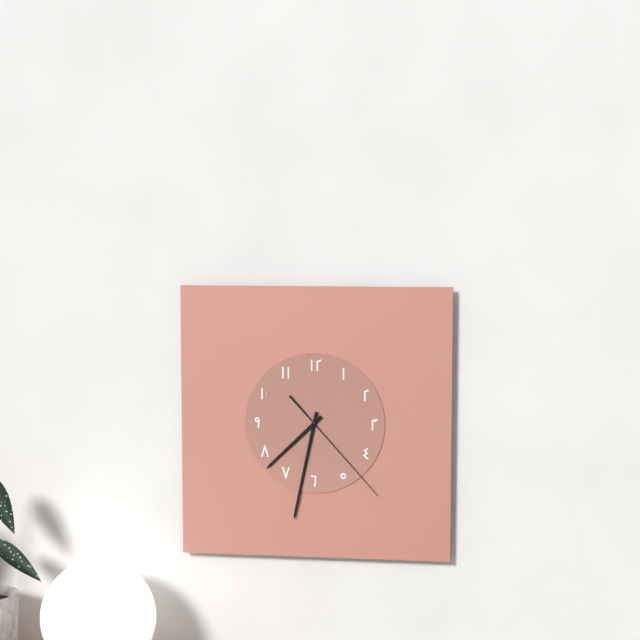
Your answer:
{"hour": 7, "minute": 32, "second": 23}
